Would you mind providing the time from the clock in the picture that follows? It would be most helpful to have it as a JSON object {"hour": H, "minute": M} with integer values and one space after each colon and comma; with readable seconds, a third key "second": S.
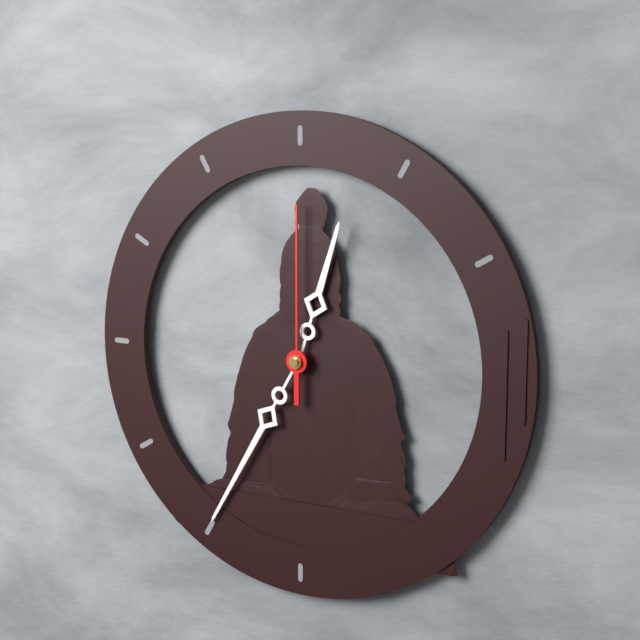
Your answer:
{"hour": 12, "minute": 35, "second": 0}
